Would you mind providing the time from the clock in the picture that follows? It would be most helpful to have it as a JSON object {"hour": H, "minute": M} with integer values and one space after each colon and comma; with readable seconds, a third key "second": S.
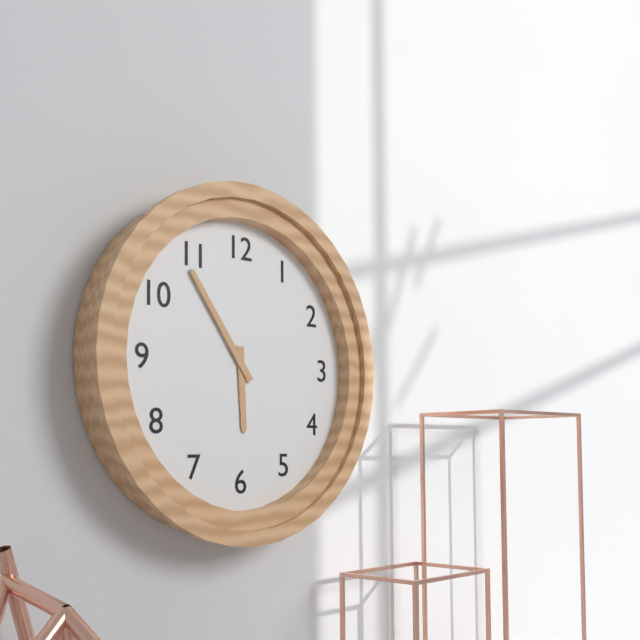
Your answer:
{"hour": 5, "minute": 54}
